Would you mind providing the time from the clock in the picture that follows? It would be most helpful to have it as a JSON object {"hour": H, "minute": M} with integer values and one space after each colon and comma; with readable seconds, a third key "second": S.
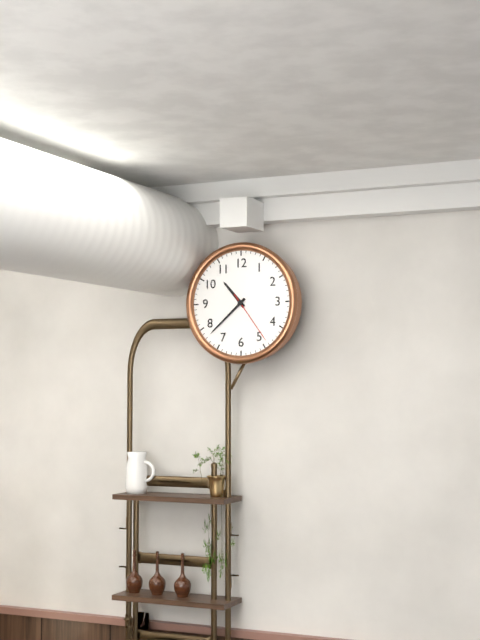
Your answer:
{"hour": 10, "minute": 38, "second": 24}
